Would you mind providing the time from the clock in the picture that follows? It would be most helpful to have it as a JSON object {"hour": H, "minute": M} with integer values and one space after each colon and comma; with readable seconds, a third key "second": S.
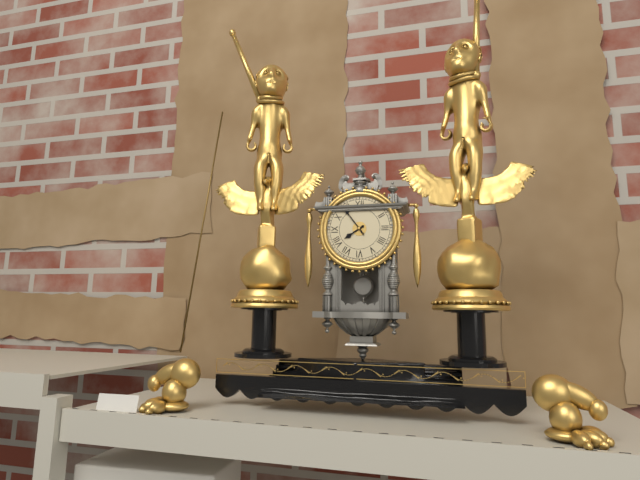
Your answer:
{"hour": 7, "minute": 54}
